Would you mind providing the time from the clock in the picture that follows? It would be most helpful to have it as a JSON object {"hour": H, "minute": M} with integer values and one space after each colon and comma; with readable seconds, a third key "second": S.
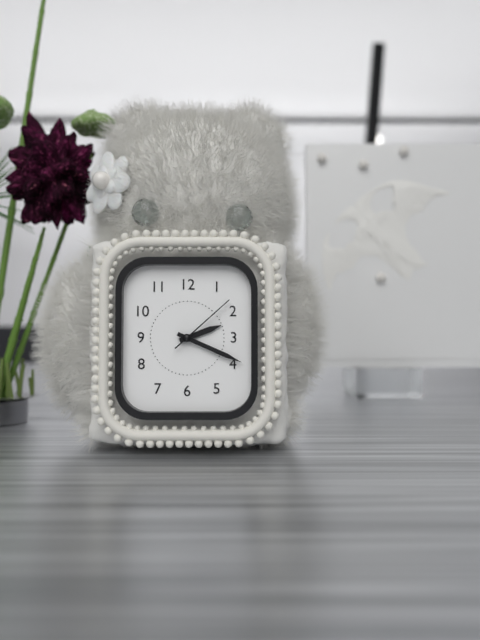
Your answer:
{"hour": 2, "minute": 19, "second": 8}
